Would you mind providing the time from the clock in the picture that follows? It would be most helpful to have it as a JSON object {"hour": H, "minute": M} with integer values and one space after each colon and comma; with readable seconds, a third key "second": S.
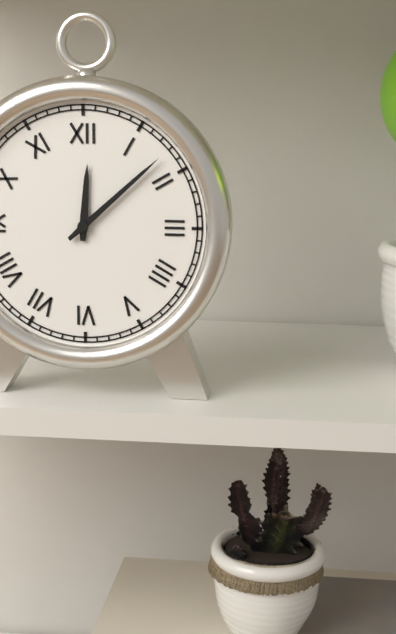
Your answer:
{"hour": 12, "minute": 8}
